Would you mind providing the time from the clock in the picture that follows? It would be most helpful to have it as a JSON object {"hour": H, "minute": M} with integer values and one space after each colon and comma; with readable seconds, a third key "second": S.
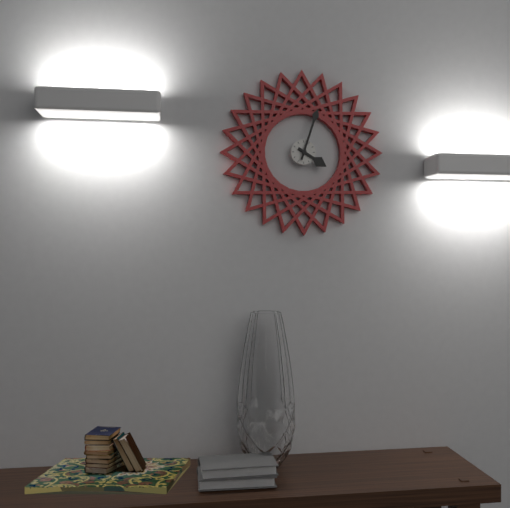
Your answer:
{"hour": 4, "minute": 3}
